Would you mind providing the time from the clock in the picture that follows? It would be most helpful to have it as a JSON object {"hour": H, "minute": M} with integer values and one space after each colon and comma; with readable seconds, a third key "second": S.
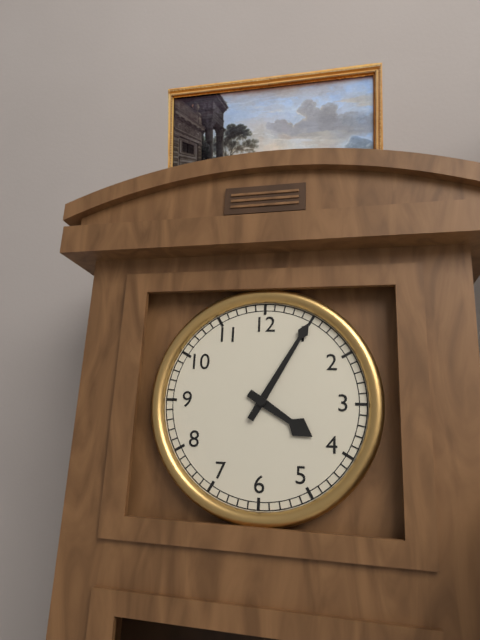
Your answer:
{"hour": 4, "minute": 5}
